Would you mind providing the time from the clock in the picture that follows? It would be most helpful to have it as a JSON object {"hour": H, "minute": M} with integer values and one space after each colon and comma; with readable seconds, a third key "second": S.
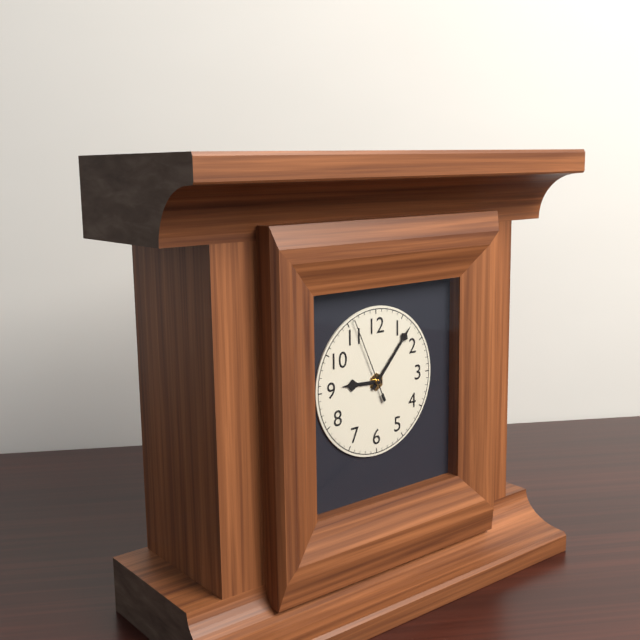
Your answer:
{"hour": 9, "minute": 7, "second": 56}
